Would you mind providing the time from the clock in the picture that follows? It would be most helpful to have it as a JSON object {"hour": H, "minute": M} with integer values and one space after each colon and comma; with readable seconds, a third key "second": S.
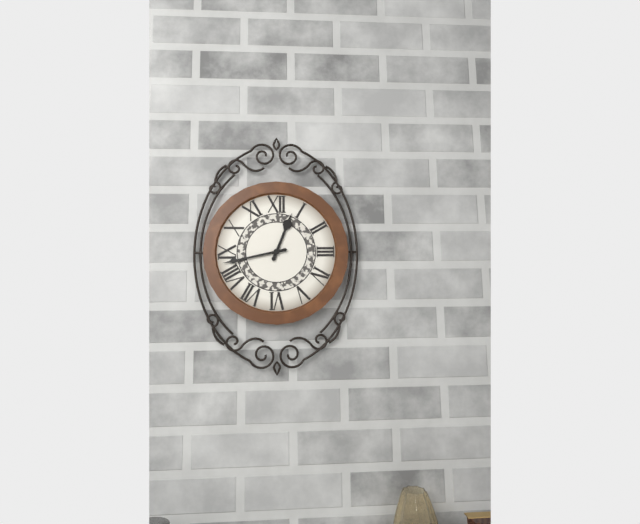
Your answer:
{"hour": 12, "minute": 43}
